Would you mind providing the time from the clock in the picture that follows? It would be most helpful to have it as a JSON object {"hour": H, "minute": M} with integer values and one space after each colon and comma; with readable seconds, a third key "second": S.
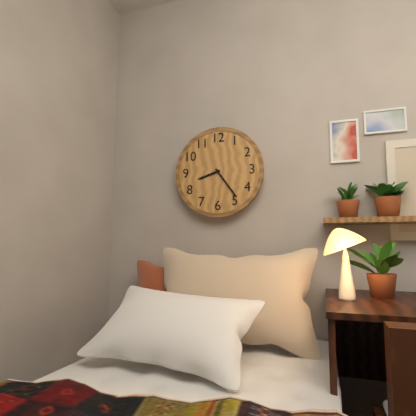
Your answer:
{"hour": 8, "minute": 24}
